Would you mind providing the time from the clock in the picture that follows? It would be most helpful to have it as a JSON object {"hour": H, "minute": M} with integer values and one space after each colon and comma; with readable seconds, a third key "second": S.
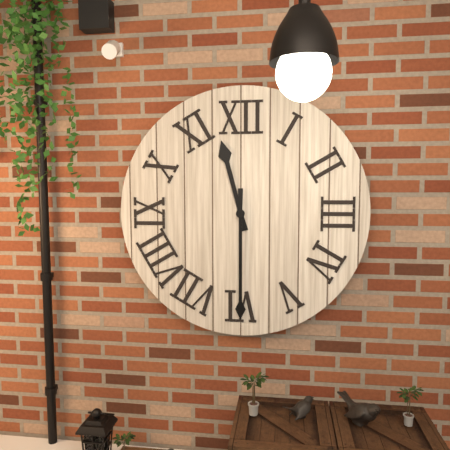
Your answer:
{"hour": 11, "minute": 30}
